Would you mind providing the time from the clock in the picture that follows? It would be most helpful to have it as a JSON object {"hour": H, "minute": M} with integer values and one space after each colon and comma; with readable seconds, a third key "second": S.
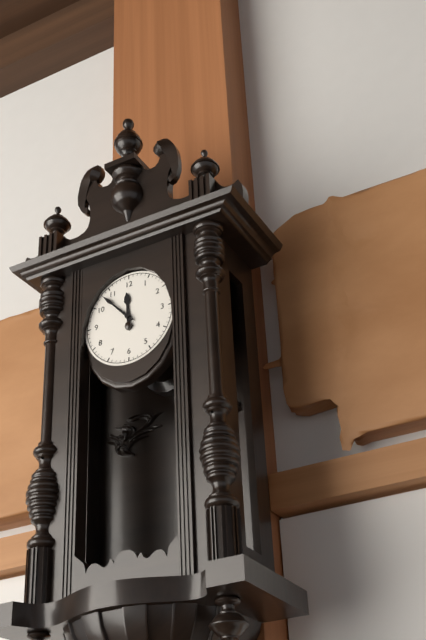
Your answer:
{"hour": 11, "minute": 53}
